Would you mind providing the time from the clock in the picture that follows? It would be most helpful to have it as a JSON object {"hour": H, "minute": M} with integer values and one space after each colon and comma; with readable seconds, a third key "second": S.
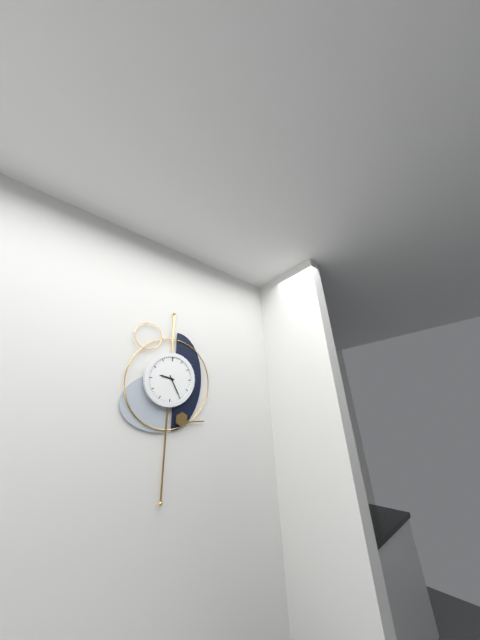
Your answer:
{"hour": 9, "minute": 25}
